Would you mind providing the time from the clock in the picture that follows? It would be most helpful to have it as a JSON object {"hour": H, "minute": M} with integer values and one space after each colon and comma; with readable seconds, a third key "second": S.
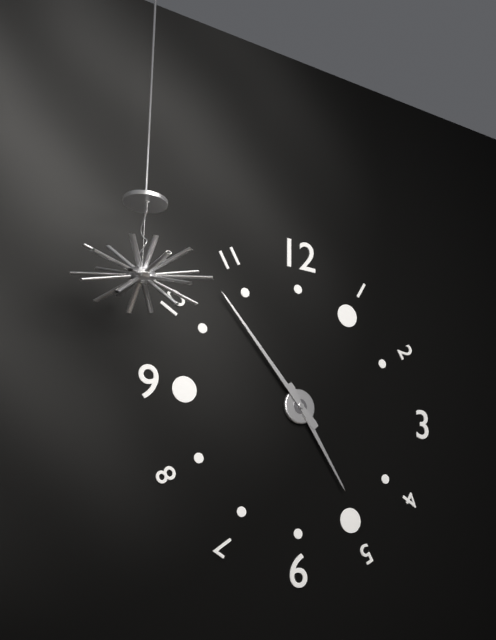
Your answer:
{"hour": 4, "minute": 53}
